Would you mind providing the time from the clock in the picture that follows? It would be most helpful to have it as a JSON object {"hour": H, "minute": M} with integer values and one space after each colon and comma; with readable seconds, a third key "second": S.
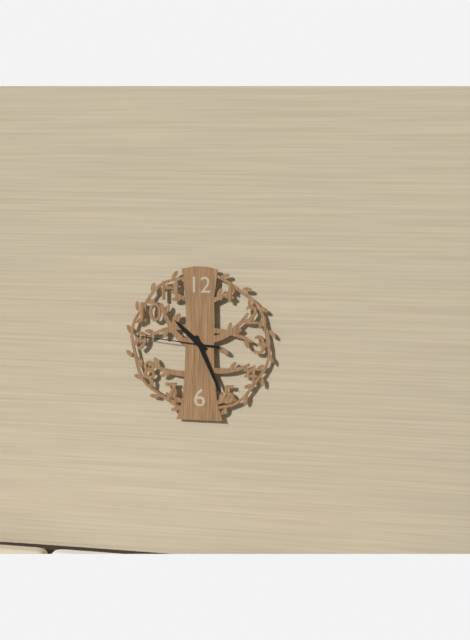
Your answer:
{"hour": 10, "minute": 26, "second": 46}
